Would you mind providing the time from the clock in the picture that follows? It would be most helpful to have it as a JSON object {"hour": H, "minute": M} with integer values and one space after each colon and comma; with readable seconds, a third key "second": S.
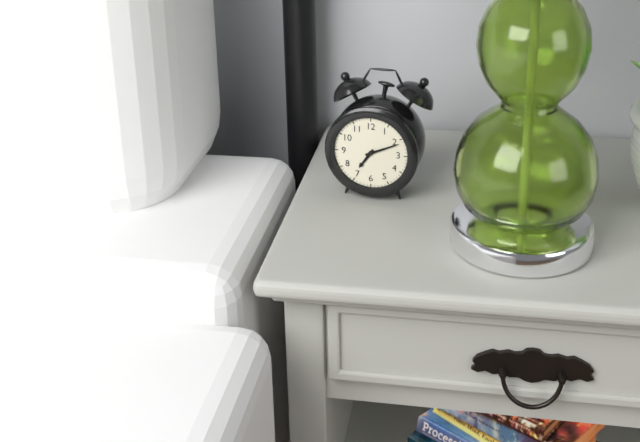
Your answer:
{"hour": 7, "minute": 11}
